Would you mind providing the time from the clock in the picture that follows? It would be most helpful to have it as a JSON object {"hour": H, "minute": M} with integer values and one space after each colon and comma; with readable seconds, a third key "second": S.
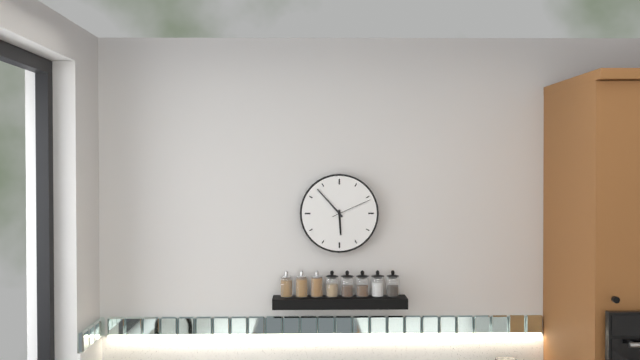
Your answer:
{"hour": 5, "minute": 53}
